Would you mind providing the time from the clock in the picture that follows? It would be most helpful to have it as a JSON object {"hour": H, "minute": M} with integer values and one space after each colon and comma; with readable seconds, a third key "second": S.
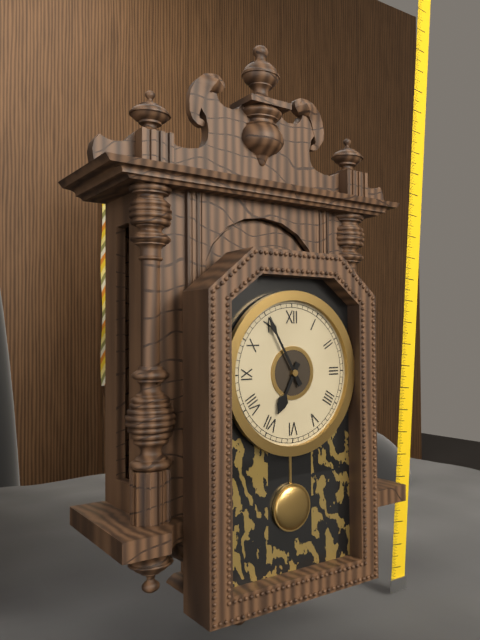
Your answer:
{"hour": 6, "minute": 55}
